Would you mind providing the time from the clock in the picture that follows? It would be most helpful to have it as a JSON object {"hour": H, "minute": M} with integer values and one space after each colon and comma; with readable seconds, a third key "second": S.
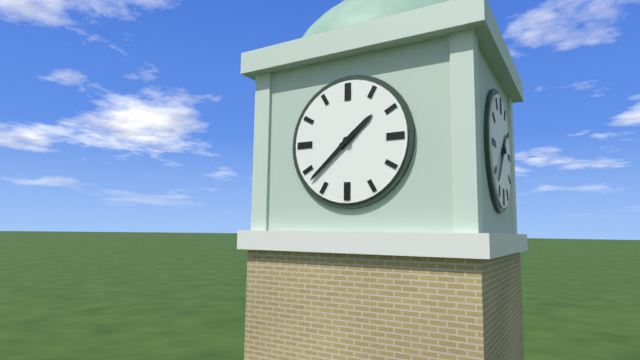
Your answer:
{"hour": 1, "minute": 38}
